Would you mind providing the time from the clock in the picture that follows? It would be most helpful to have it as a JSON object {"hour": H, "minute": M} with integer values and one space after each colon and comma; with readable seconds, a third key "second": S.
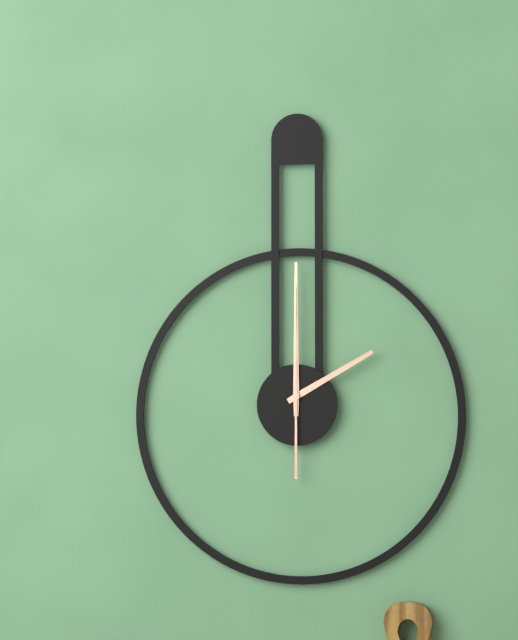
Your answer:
{"hour": 2, "minute": 0, "second": 0}
